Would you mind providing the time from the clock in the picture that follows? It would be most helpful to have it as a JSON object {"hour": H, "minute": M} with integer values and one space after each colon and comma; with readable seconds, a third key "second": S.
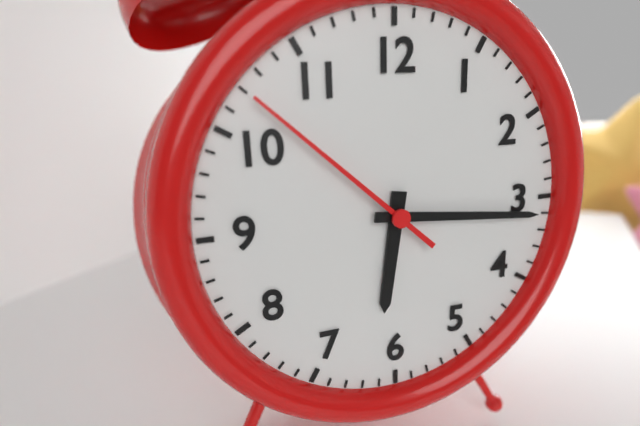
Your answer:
{"hour": 6, "minute": 16, "second": 52}
